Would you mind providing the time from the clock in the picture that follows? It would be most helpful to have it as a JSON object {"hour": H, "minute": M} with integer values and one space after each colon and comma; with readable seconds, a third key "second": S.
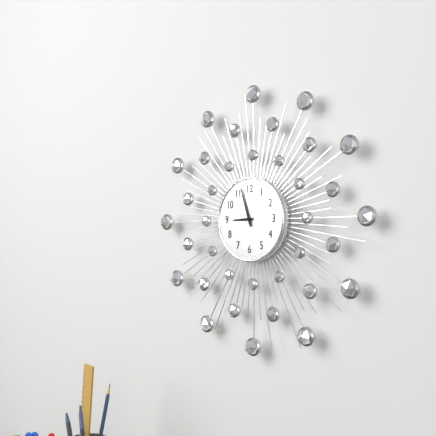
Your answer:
{"hour": 8, "minute": 57}
